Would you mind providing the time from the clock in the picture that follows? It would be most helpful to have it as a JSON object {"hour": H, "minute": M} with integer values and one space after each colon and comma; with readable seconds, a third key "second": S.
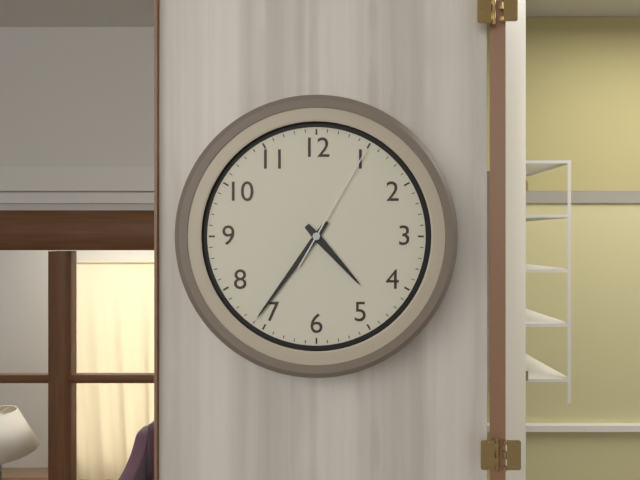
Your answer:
{"hour": 4, "minute": 36, "second": 5}
